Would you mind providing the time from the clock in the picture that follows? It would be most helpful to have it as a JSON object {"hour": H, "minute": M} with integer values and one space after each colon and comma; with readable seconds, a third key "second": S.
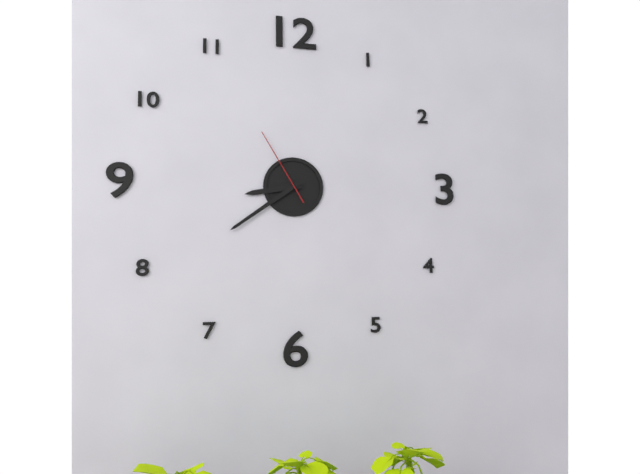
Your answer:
{"hour": 8, "minute": 39, "second": 55}
